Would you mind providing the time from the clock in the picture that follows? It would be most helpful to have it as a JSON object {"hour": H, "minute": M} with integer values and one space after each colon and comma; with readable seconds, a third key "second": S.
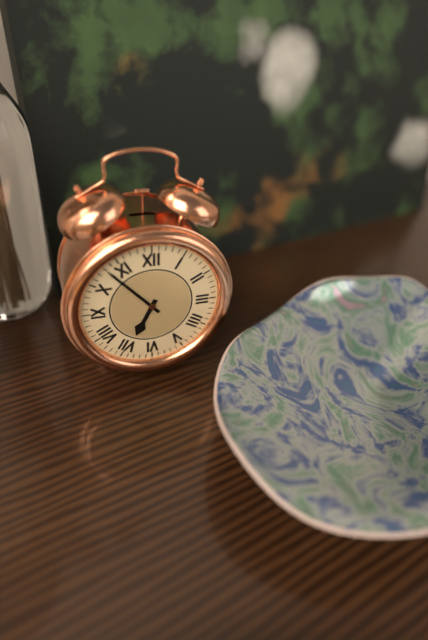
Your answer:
{"hour": 6, "minute": 53}
